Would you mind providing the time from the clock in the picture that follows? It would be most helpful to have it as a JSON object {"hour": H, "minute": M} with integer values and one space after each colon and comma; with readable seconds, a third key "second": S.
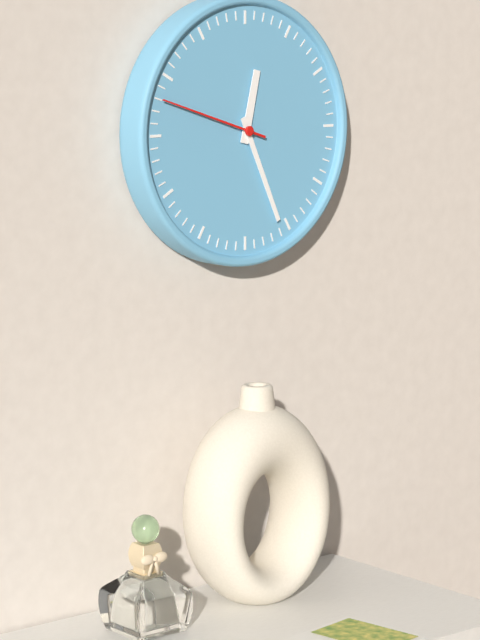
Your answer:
{"hour": 12, "minute": 26, "second": 48}
